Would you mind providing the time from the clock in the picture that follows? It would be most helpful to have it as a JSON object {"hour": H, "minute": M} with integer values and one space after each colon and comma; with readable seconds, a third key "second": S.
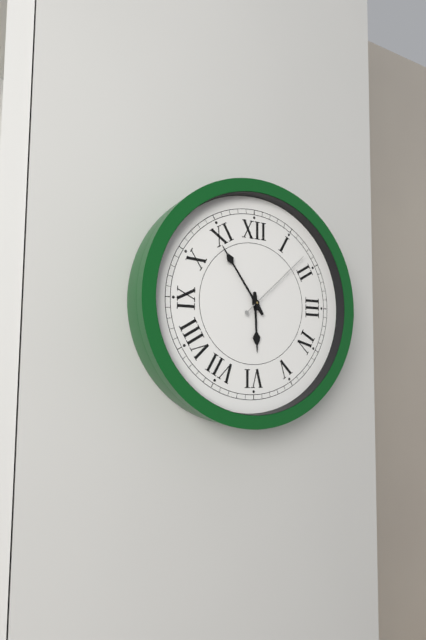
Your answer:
{"hour": 5, "minute": 54, "second": 8}
